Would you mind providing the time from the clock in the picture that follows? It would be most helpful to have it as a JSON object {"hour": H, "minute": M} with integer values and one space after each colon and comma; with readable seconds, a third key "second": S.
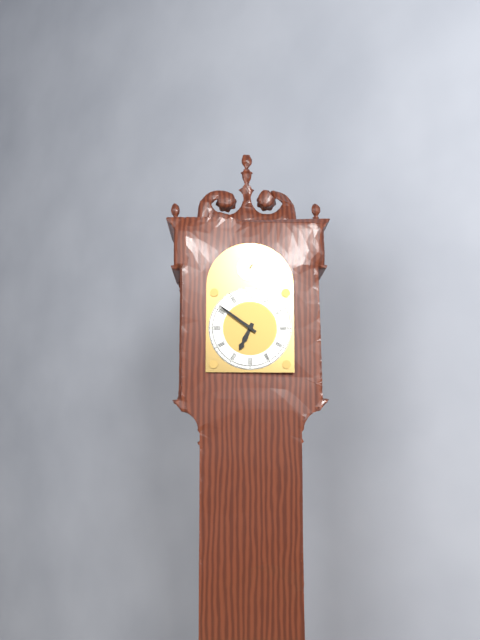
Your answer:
{"hour": 6, "minute": 51}
